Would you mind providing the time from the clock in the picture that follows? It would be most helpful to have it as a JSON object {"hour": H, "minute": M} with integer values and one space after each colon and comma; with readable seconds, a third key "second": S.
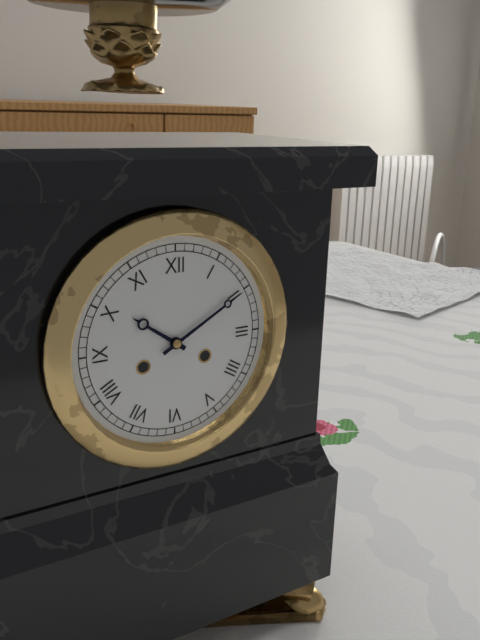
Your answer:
{"hour": 10, "minute": 10}
